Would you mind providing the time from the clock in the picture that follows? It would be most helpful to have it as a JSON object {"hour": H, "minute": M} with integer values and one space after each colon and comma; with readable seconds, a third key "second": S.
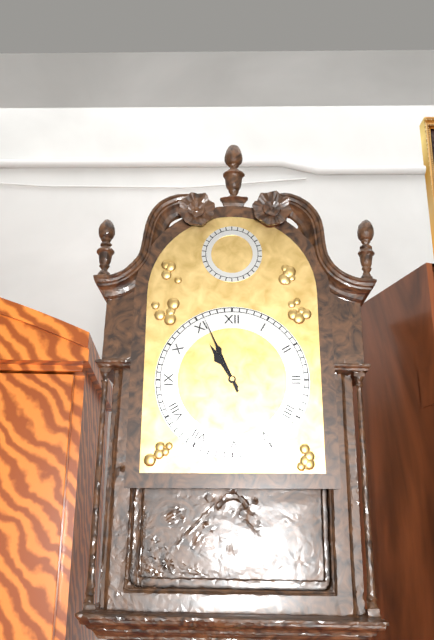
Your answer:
{"hour": 10, "minute": 56}
